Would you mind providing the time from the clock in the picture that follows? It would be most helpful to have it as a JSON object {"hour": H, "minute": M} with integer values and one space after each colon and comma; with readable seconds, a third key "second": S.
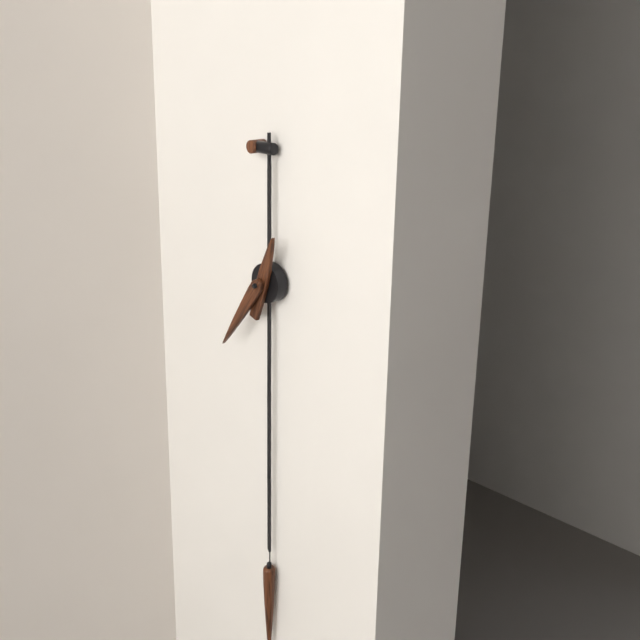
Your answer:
{"hour": 12, "minute": 36}
